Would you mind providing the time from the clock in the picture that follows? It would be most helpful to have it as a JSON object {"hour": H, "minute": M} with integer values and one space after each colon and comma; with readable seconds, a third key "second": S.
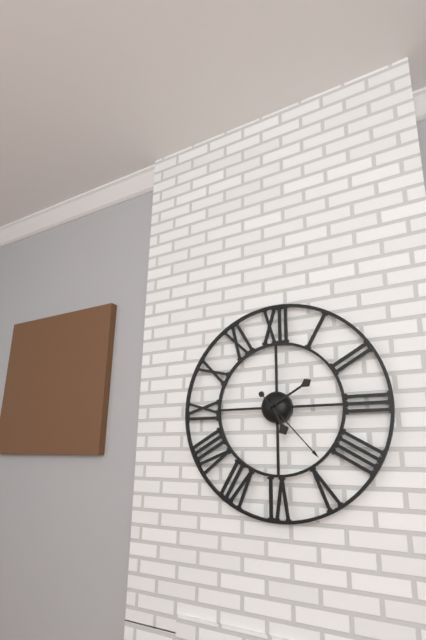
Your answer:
{"hour": 5, "minute": 10, "second": 23}
